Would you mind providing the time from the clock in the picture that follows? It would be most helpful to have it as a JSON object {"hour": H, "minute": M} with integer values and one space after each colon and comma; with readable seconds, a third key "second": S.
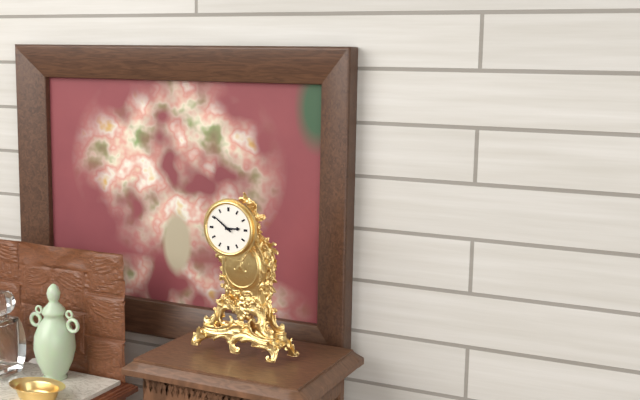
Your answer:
{"hour": 2, "minute": 51}
